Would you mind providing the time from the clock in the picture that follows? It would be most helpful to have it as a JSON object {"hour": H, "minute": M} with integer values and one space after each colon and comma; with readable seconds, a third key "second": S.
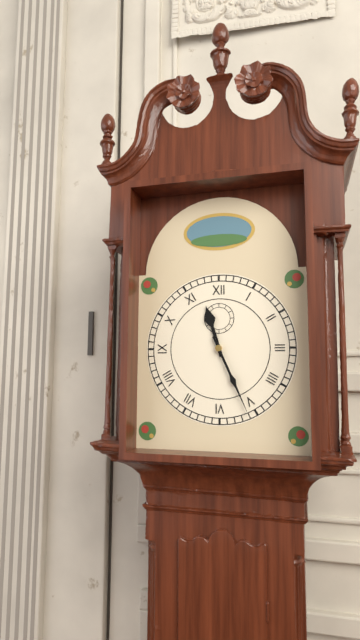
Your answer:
{"hour": 11, "minute": 26}
